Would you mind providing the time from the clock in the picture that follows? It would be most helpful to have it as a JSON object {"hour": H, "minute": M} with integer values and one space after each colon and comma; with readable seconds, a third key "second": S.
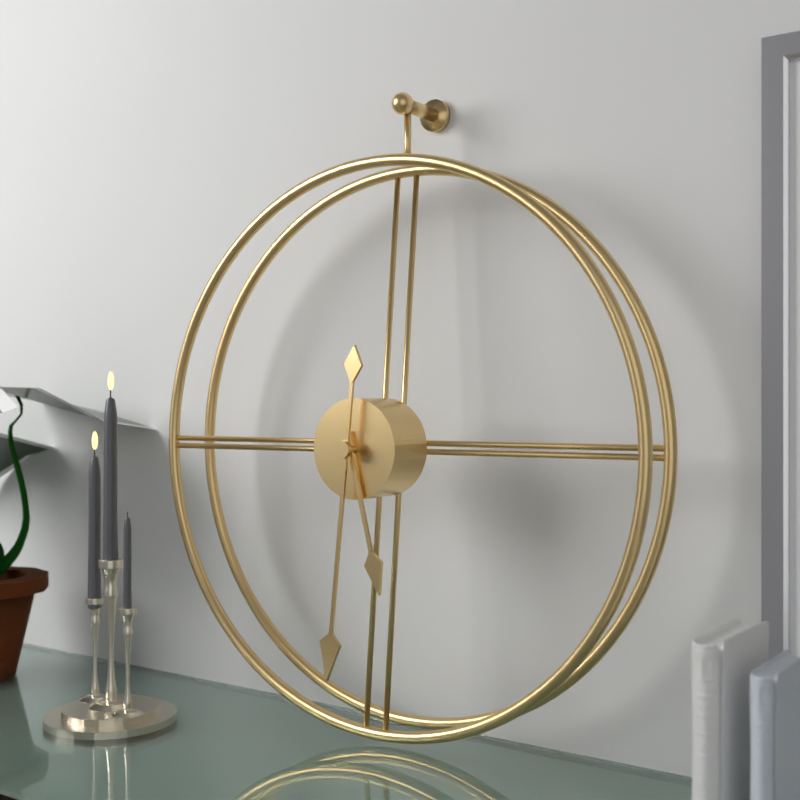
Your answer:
{"hour": 5, "minute": 31}
